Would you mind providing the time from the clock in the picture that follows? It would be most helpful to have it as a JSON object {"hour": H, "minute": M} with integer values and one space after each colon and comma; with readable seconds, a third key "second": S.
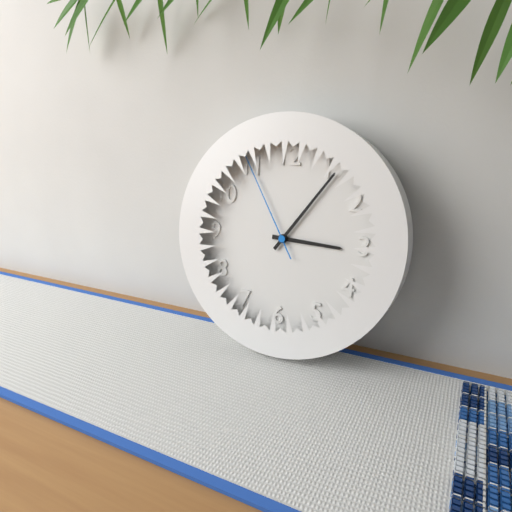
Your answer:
{"hour": 3, "minute": 6, "second": 55}
